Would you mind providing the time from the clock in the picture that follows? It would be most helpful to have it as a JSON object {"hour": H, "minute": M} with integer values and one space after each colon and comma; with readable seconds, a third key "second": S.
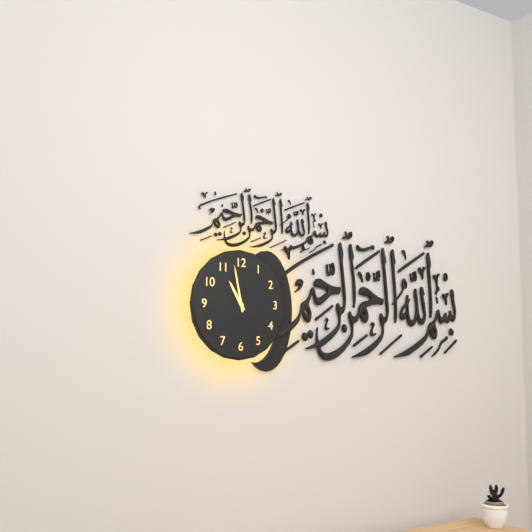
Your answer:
{"hour": 10, "minute": 58}
